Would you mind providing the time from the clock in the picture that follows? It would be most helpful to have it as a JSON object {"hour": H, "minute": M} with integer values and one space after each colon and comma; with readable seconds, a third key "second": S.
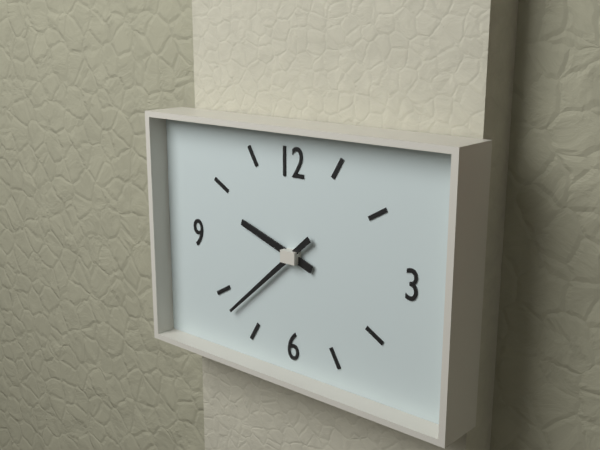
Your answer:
{"hour": 9, "minute": 38}
